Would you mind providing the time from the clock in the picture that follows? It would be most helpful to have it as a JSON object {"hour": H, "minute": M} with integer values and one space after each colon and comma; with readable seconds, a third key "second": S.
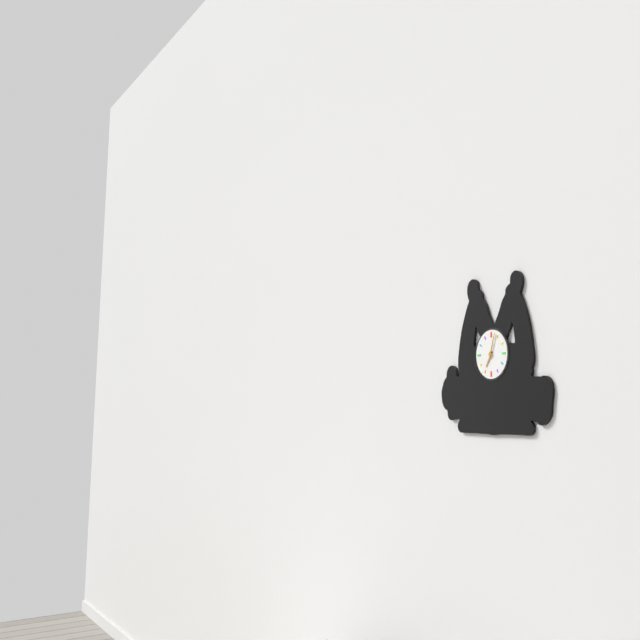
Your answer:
{"hour": 7, "minute": 3}
